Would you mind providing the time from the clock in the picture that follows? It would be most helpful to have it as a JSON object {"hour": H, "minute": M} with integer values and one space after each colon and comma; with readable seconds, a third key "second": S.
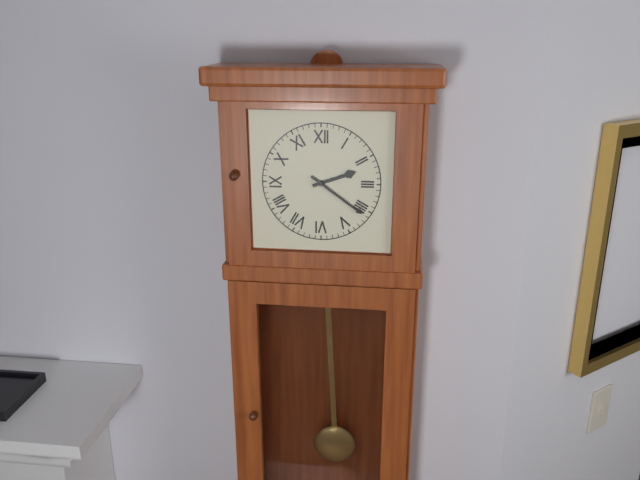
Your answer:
{"hour": 2, "minute": 21}
